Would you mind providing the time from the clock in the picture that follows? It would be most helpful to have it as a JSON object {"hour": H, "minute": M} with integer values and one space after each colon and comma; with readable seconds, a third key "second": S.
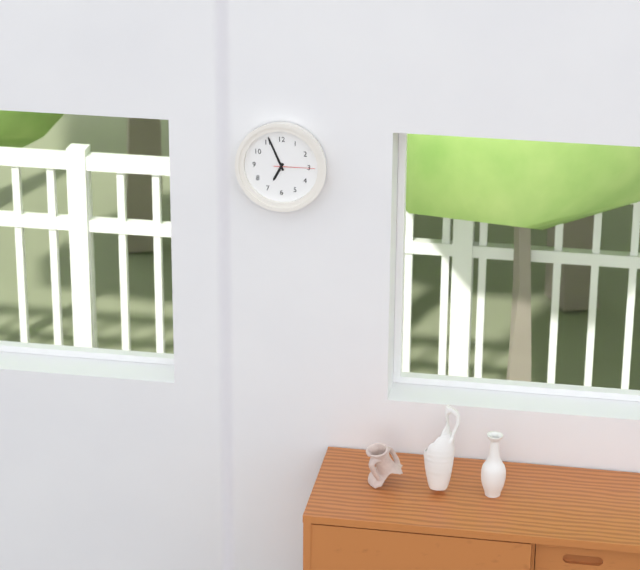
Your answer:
{"hour": 6, "minute": 56}
